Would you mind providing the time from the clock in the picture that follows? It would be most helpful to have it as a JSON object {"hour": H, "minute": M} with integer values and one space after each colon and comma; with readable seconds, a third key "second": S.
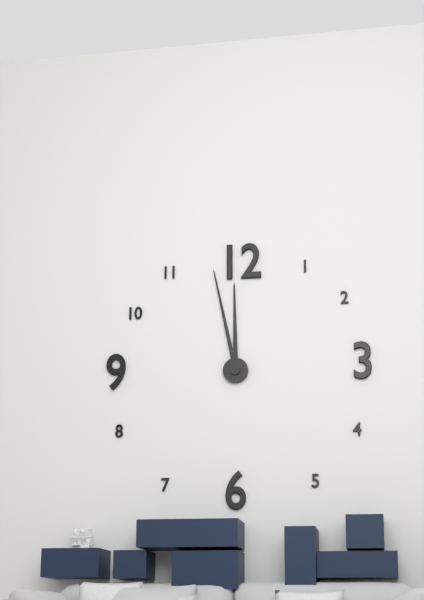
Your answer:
{"hour": 11, "minute": 58}
